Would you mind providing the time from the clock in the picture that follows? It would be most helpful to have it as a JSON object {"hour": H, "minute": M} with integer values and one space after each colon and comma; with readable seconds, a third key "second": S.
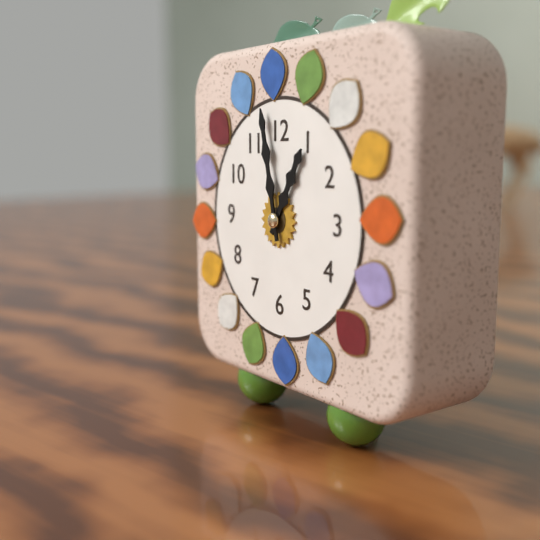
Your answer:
{"hour": 12, "minute": 58}
